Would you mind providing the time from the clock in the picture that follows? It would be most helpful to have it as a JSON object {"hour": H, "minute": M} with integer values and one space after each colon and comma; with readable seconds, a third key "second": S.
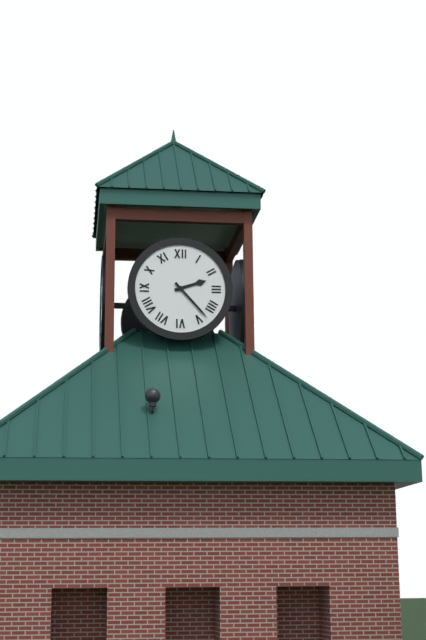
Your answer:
{"hour": 2, "minute": 23}
